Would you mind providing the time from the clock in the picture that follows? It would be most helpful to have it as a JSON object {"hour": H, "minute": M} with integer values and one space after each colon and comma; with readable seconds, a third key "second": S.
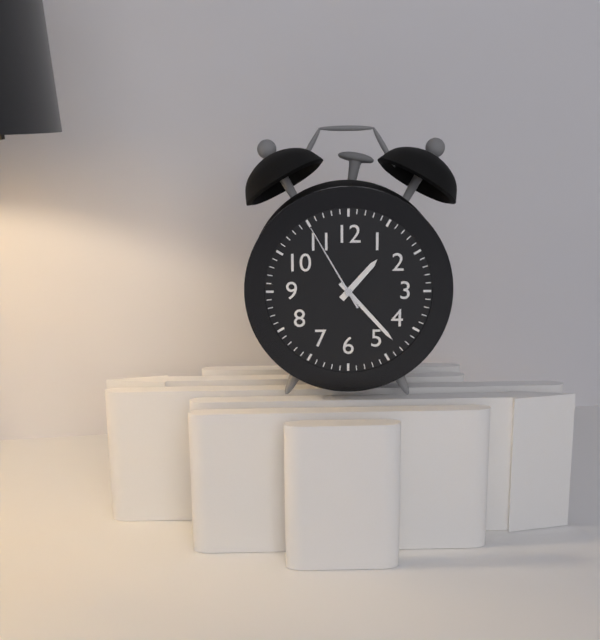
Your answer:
{"hour": 1, "minute": 23, "second": 55}
